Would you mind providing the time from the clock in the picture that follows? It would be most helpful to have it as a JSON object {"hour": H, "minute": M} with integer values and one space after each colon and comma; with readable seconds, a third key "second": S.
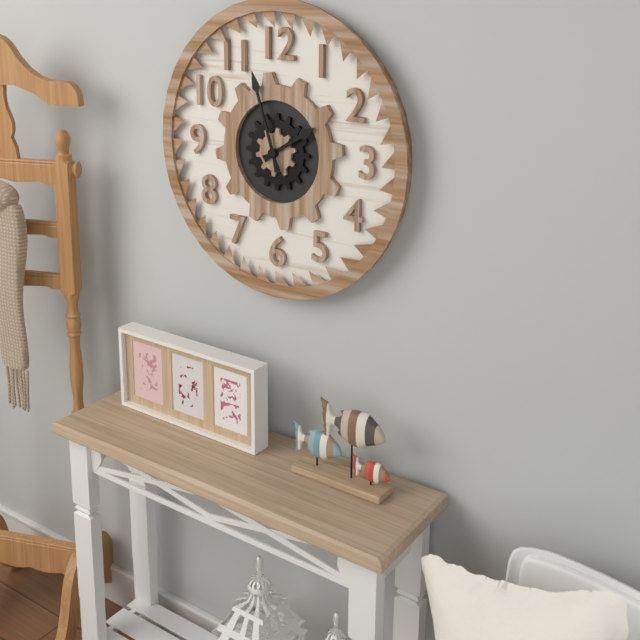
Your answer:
{"hour": 1, "minute": 57}
